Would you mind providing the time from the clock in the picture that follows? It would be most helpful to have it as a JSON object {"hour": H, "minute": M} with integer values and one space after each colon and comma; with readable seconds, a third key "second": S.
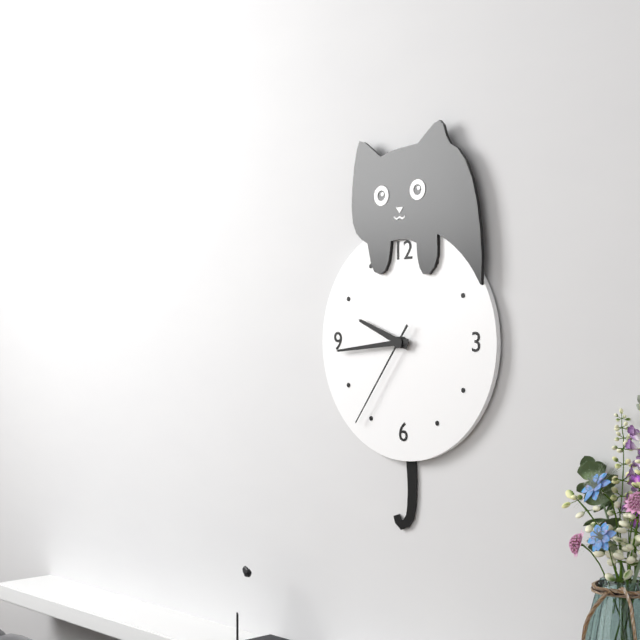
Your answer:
{"hour": 9, "minute": 44, "second": 36}
